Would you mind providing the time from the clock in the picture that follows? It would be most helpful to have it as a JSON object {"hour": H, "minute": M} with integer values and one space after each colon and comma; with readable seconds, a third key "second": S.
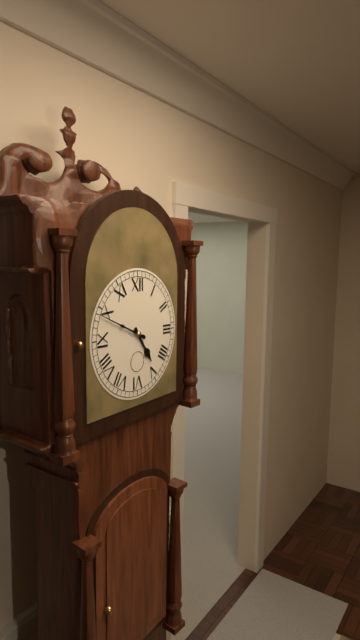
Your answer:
{"hour": 4, "minute": 49}
